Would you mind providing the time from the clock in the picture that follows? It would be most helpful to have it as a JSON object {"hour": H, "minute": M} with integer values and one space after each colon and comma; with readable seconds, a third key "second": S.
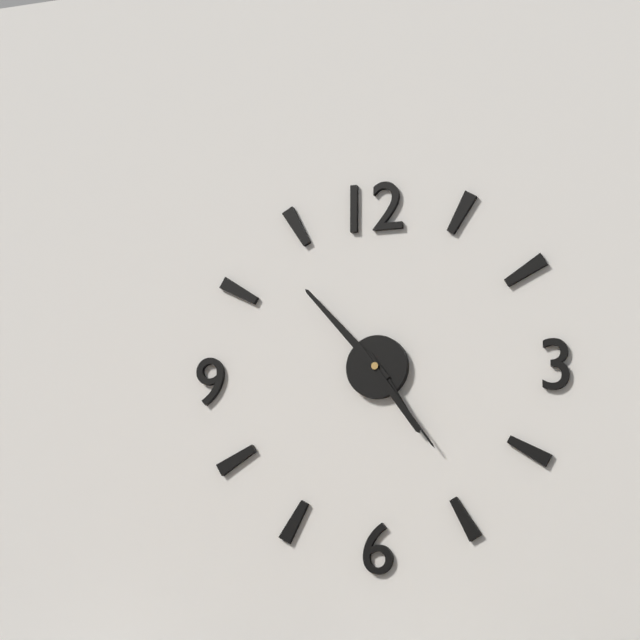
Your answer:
{"hour": 4, "minute": 53, "second": 24}
